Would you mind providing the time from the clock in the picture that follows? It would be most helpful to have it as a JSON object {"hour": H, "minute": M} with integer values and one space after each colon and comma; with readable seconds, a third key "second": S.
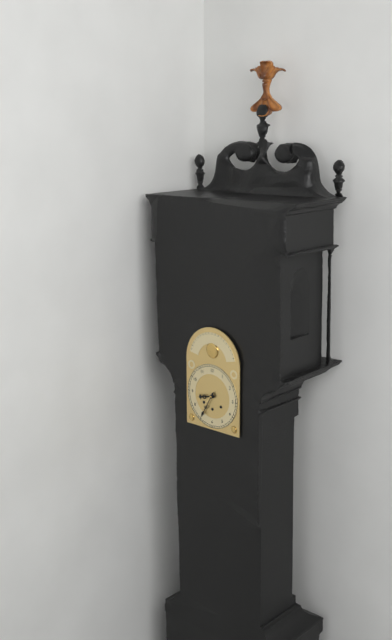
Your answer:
{"hour": 8, "minute": 35}
